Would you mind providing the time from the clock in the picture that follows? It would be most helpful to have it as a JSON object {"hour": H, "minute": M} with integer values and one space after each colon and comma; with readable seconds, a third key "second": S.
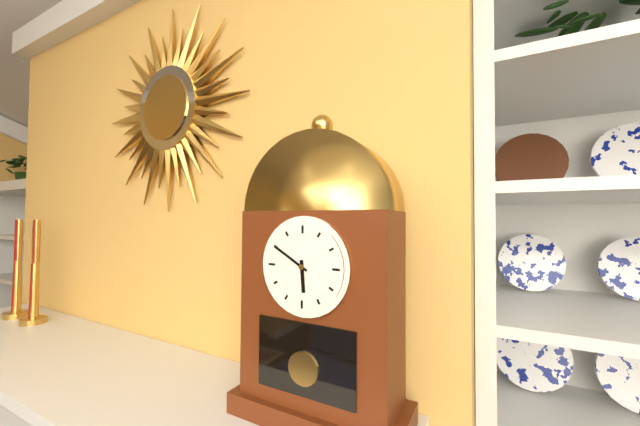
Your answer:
{"hour": 5, "minute": 50}
